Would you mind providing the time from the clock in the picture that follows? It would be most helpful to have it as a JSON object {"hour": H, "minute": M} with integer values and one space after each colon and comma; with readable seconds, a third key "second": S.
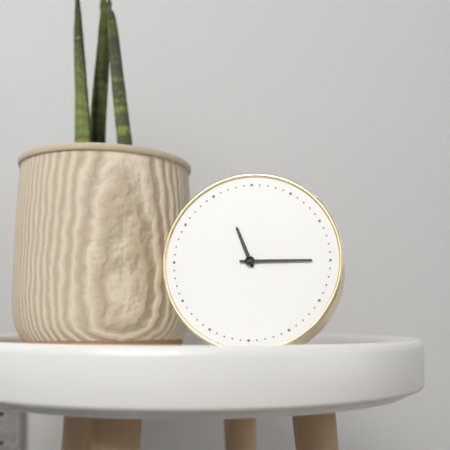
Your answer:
{"hour": 11, "minute": 15}
